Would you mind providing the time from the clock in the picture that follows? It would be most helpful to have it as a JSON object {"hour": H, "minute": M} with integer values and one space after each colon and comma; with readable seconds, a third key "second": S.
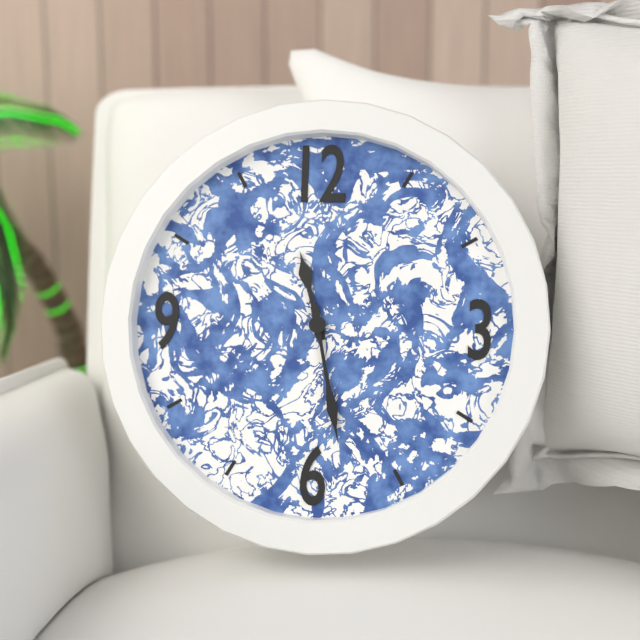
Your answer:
{"hour": 11, "minute": 28}
